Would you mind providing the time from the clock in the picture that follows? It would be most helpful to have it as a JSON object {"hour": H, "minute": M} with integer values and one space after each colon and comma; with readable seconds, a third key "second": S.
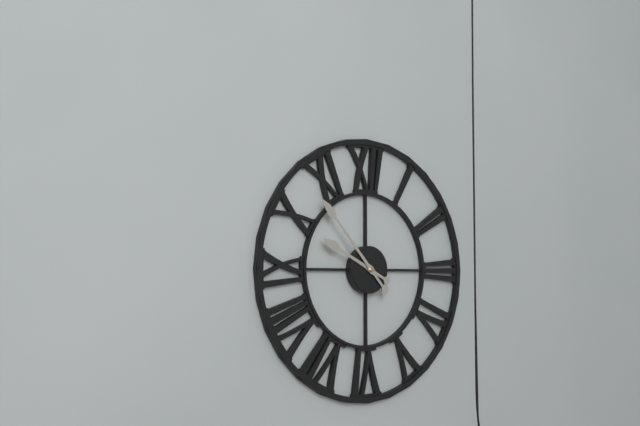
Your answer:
{"hour": 9, "minute": 53}
